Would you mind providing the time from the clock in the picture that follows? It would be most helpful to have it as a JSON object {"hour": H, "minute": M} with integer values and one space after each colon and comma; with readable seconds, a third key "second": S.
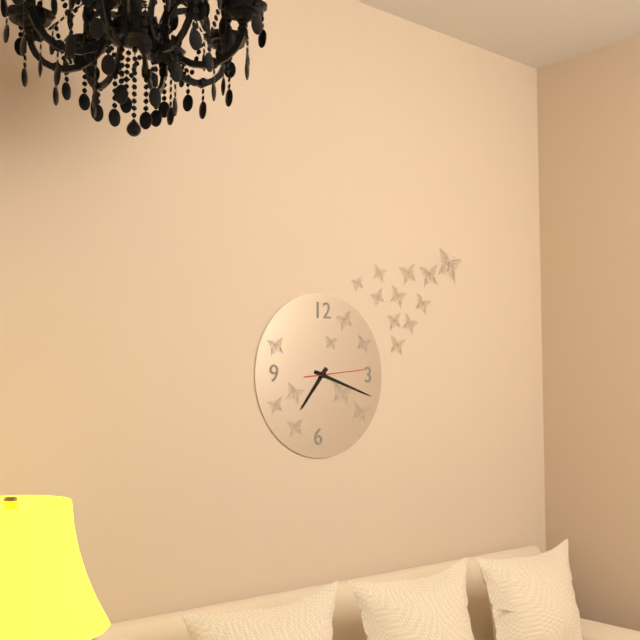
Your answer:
{"hour": 7, "minute": 18, "second": 14}
